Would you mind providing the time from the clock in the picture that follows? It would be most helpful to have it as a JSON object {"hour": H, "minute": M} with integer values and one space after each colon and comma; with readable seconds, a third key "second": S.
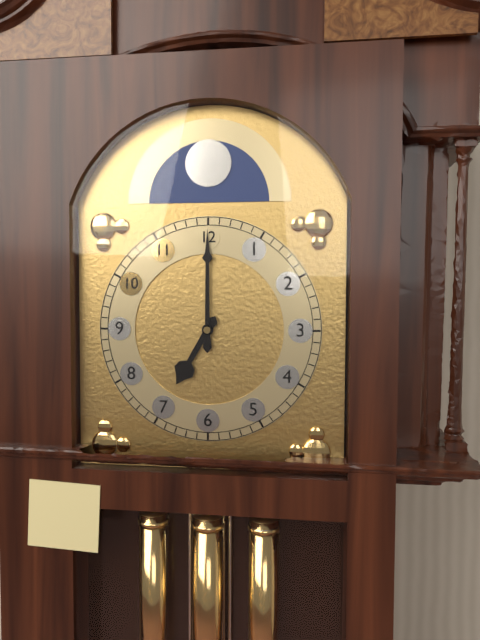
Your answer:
{"hour": 7, "minute": 0}
